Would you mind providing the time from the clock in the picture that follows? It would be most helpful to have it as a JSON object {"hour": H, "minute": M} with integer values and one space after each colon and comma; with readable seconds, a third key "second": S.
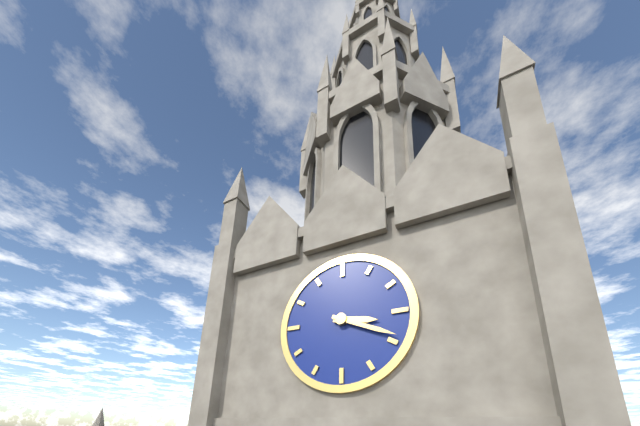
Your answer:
{"hour": 3, "minute": 19}
